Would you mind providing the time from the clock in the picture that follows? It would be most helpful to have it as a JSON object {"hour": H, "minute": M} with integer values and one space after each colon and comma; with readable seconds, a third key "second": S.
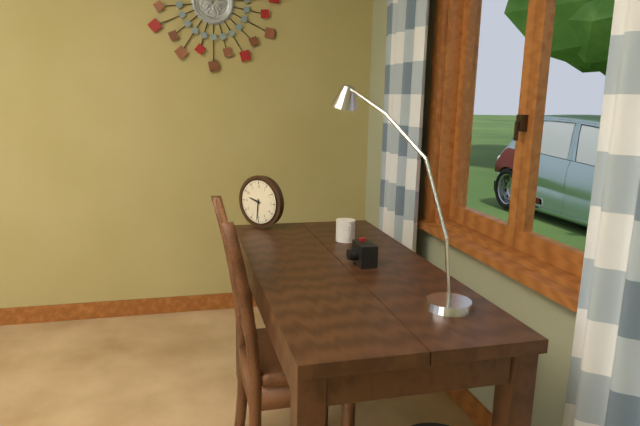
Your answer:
{"hour": 9, "minute": 31}
